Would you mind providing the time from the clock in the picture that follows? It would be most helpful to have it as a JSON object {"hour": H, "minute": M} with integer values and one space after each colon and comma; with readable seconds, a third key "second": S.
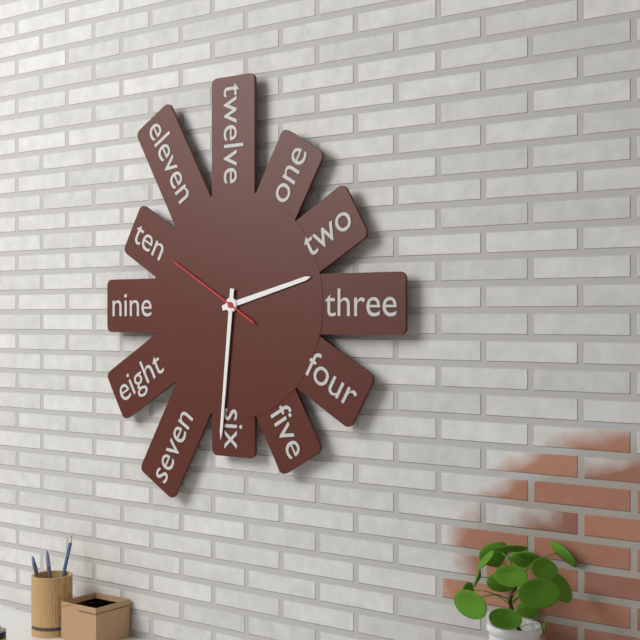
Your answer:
{"hour": 2, "minute": 31, "second": 50}
